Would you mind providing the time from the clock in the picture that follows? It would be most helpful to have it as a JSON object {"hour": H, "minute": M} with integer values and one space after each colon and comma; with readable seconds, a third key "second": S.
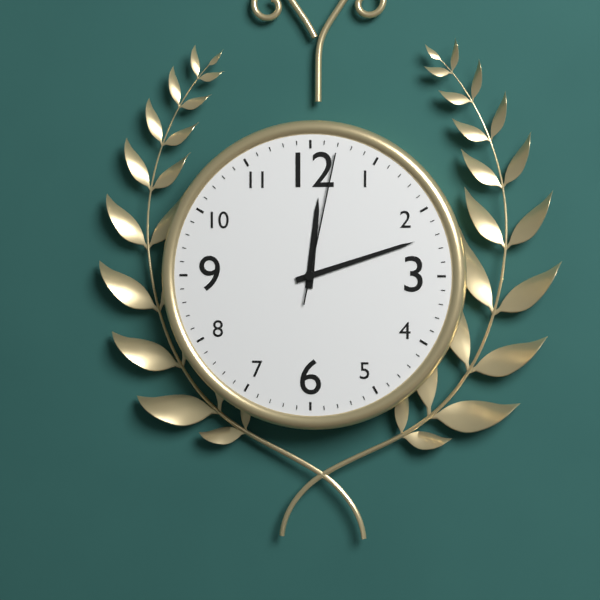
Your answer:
{"hour": 12, "minute": 12, "second": 2}
